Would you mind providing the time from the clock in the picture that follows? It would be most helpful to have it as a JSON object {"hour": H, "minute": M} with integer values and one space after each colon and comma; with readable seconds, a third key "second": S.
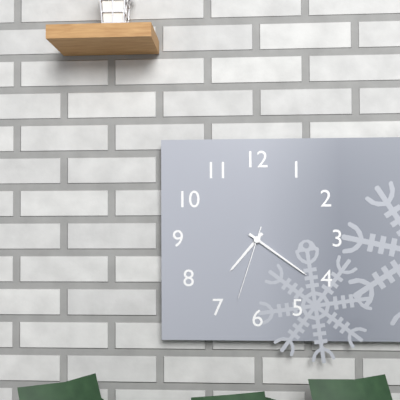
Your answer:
{"hour": 7, "minute": 21, "second": 33}
